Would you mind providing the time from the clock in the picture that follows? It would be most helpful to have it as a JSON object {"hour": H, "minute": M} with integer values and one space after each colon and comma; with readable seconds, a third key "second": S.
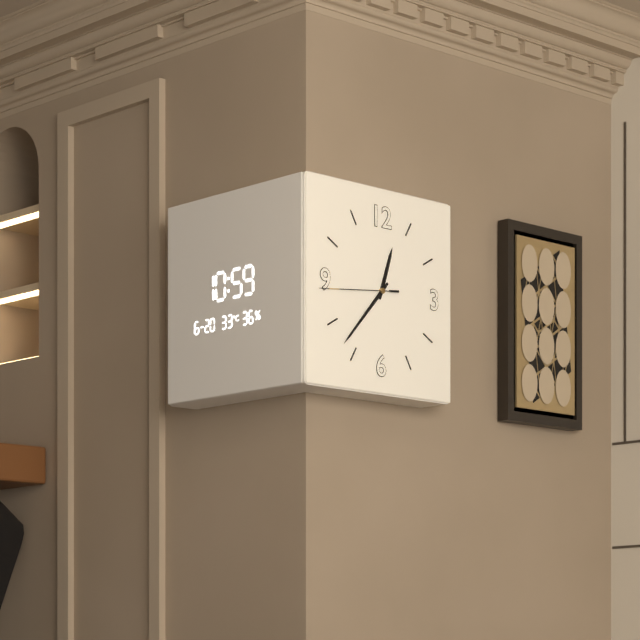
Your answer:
{"hour": 12, "minute": 37, "second": 44}
